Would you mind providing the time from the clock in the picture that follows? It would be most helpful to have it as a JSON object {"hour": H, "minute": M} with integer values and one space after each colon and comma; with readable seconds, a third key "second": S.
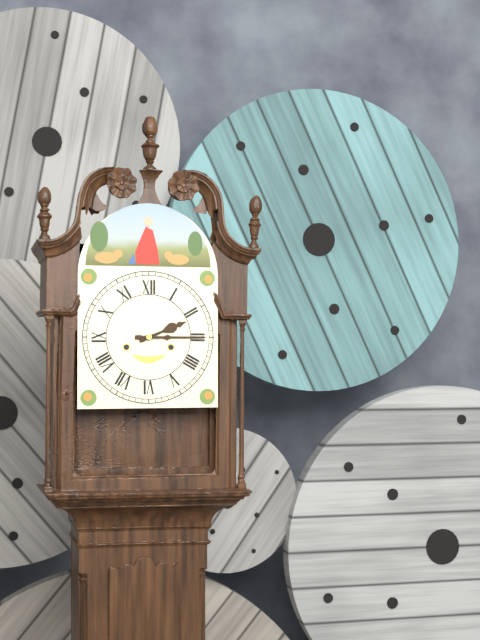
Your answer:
{"hour": 2, "minute": 15}
